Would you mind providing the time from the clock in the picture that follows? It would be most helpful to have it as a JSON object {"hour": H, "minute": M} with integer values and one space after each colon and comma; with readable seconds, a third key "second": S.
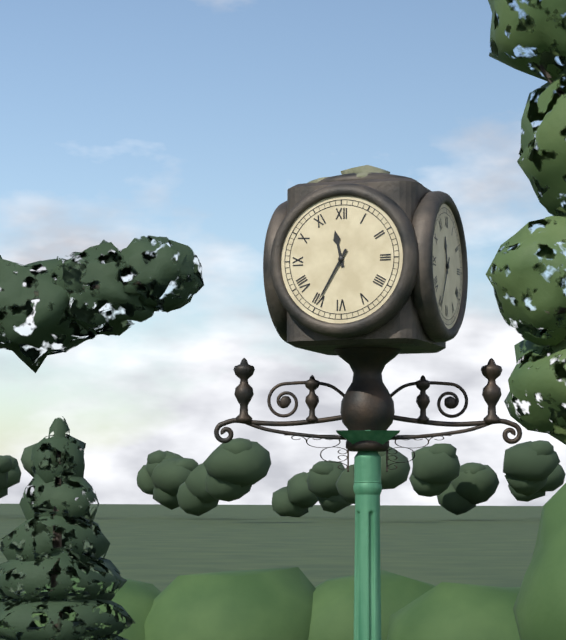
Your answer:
{"hour": 11, "minute": 35}
